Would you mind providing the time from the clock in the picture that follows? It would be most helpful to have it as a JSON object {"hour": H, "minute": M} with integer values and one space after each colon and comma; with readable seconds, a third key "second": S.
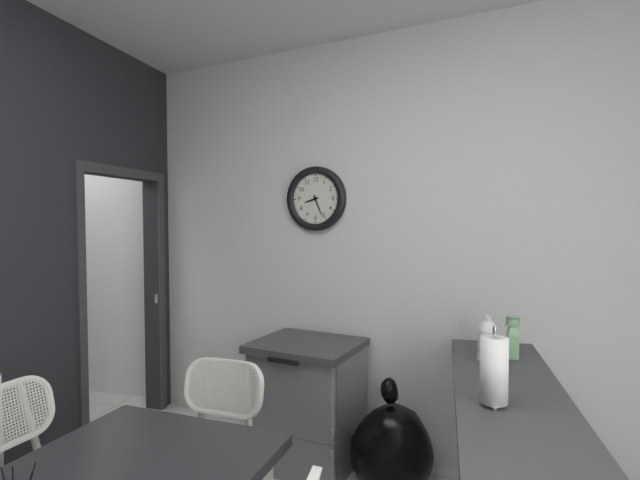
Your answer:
{"hour": 8, "minute": 26}
